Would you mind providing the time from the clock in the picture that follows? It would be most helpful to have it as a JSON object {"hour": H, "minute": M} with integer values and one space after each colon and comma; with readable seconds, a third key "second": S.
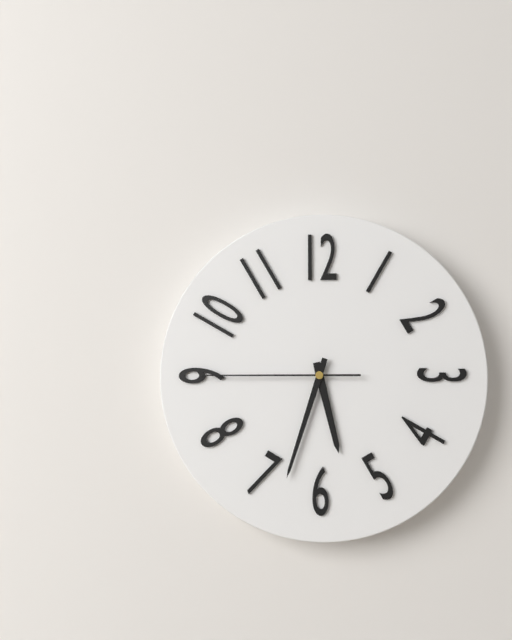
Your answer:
{"hour": 5, "minute": 33, "second": 45}
